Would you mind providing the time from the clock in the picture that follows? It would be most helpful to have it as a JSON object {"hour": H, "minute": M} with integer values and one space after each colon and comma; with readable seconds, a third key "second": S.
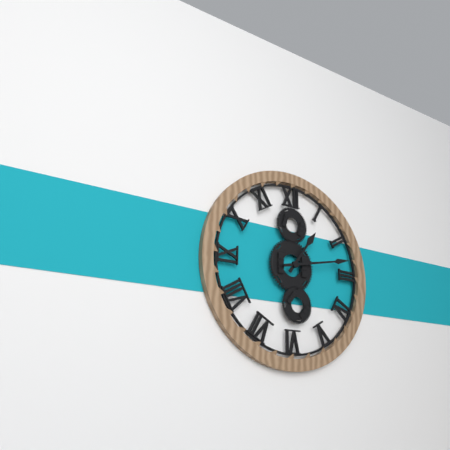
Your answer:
{"hour": 1, "minute": 13}
